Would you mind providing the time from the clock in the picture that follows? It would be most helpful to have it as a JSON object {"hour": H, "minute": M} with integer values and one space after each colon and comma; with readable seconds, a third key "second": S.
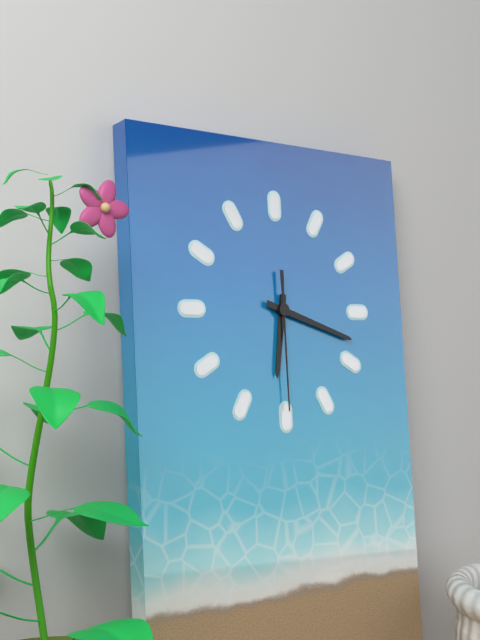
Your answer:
{"hour": 6, "minute": 18, "second": 30}
